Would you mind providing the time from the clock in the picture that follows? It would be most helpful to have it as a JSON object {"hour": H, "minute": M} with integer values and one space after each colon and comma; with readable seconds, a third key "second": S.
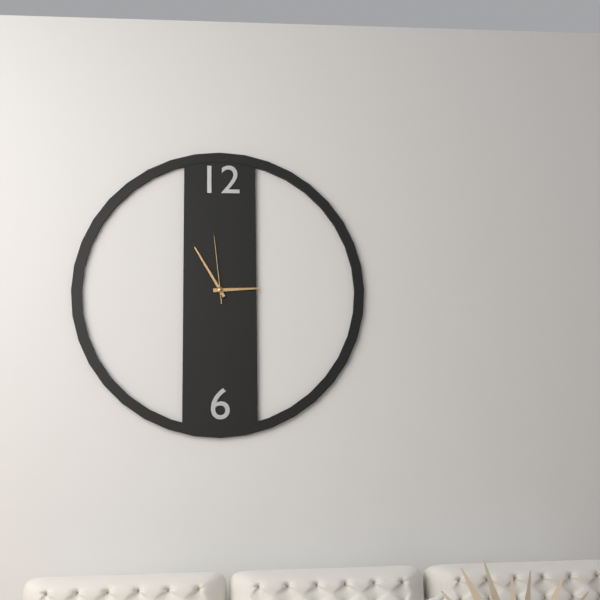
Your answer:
{"hour": 2, "minute": 55, "second": 59}
